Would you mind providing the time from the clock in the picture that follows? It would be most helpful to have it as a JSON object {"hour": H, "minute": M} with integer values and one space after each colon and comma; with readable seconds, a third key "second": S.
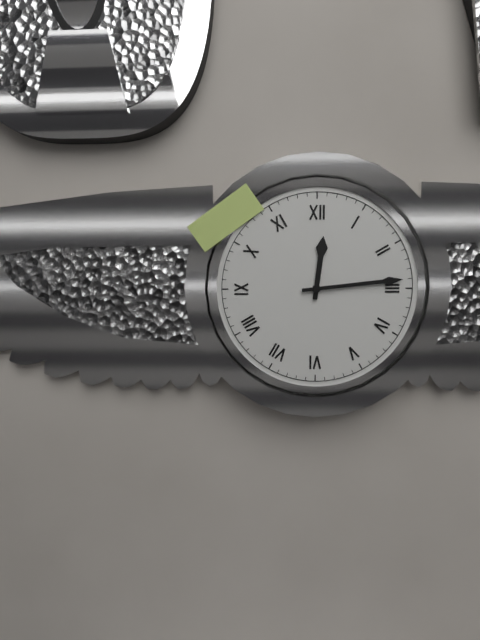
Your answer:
{"hour": 12, "minute": 14}
